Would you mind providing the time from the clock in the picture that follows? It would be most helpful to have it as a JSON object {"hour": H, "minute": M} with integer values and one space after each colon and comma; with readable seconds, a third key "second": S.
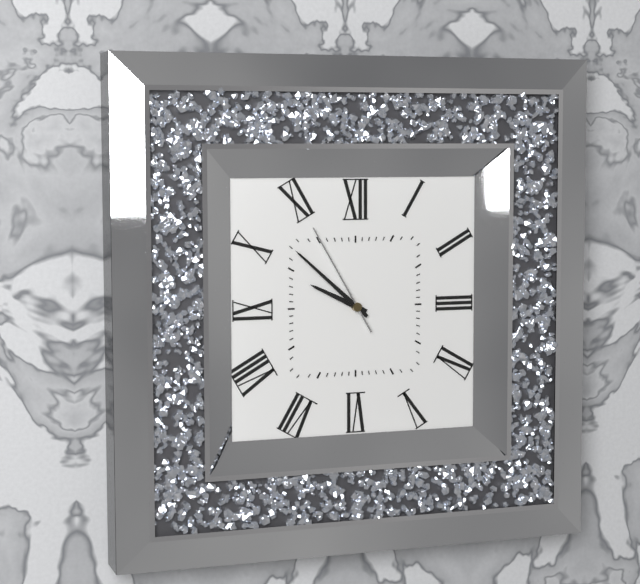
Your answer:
{"hour": 9, "minute": 52, "second": 55}
